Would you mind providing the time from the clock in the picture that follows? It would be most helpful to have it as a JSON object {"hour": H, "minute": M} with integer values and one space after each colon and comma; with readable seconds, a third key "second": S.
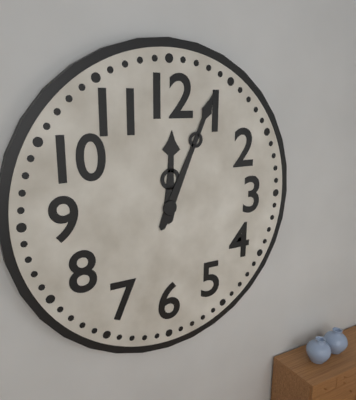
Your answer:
{"hour": 12, "minute": 4}
